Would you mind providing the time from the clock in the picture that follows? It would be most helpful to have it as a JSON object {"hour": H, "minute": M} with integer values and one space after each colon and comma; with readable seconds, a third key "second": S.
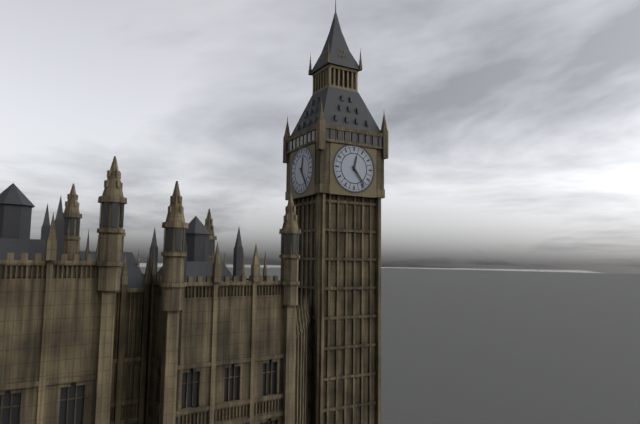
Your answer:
{"hour": 12, "minute": 24}
